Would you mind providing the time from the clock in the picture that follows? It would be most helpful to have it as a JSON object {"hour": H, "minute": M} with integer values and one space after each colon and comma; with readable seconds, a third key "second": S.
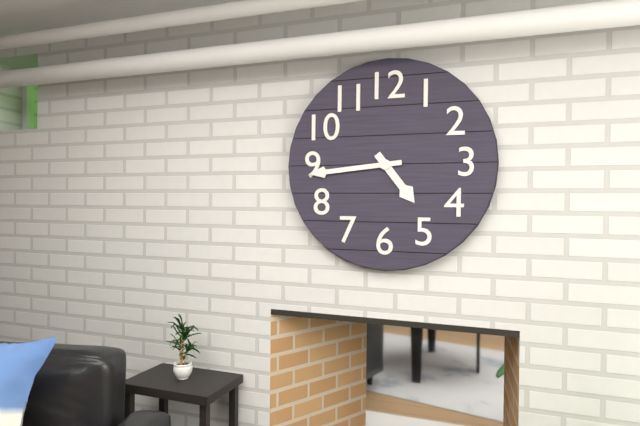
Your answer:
{"hour": 4, "minute": 44}
